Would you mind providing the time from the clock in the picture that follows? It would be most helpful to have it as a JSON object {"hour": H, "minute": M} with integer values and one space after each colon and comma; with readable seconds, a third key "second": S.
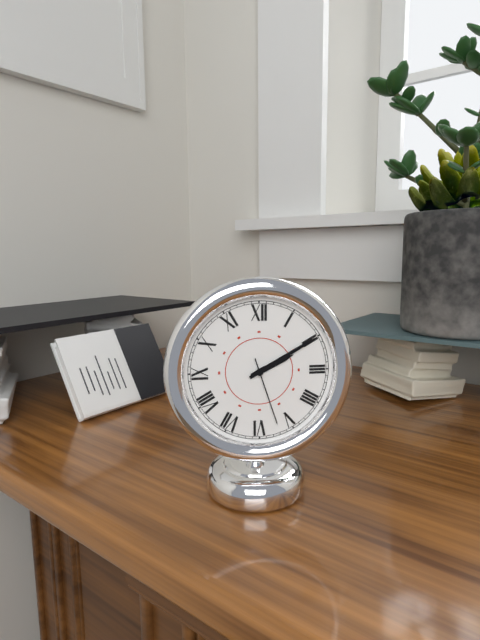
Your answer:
{"hour": 2, "minute": 10, "second": 27}
